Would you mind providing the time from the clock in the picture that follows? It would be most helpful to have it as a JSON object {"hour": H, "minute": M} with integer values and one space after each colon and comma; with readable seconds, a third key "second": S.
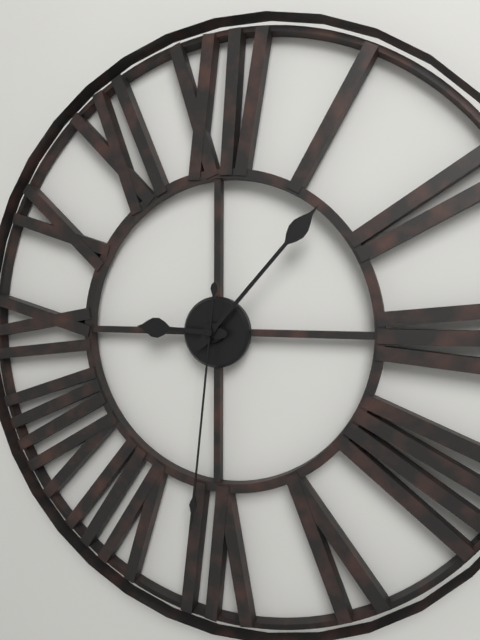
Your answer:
{"hour": 9, "minute": 7, "second": 31}
